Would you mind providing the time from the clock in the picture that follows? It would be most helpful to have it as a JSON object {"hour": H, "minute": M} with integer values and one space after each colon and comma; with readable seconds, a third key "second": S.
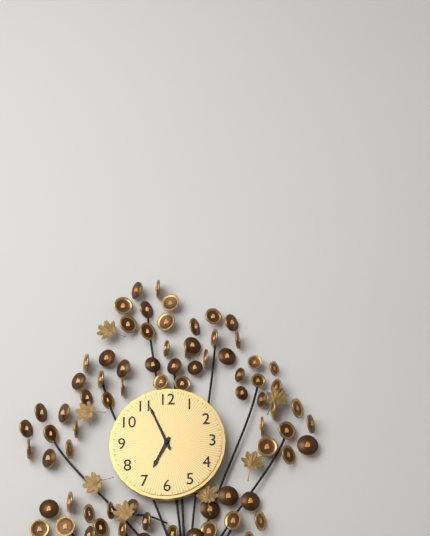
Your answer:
{"hour": 6, "minute": 56}
